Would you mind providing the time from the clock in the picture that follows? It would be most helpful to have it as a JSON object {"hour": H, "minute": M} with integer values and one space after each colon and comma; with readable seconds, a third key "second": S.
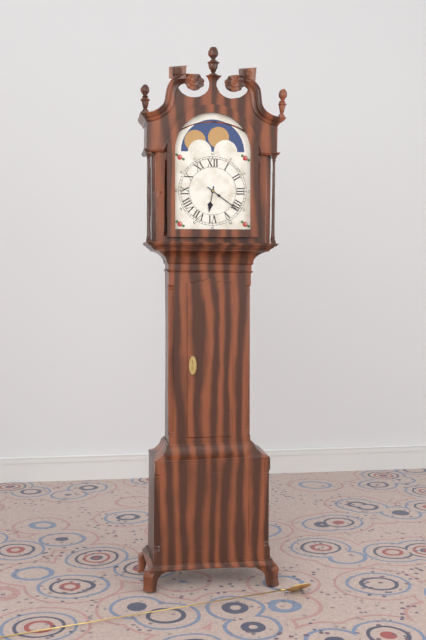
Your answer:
{"hour": 6, "minute": 21}
